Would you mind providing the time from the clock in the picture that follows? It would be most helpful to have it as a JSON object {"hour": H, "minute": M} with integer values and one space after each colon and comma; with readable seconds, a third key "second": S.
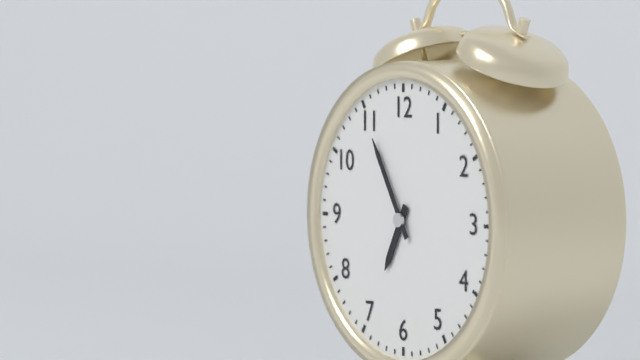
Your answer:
{"hour": 6, "minute": 55}
